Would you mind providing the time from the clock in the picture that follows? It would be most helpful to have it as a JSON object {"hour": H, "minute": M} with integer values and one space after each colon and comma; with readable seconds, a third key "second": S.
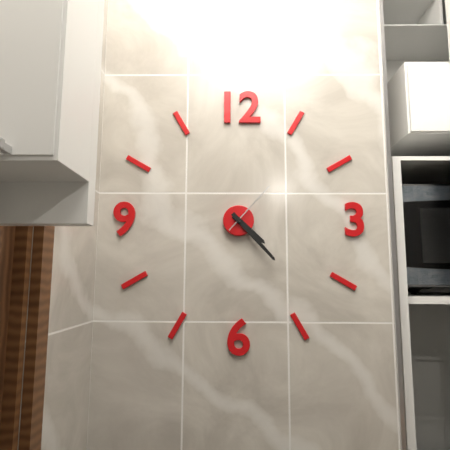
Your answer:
{"hour": 4, "minute": 23, "second": 7}
